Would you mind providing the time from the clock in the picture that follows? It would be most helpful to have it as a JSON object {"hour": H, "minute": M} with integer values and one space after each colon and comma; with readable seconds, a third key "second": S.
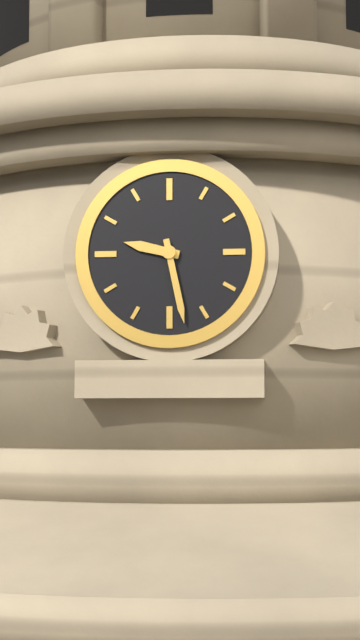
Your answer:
{"hour": 9, "minute": 28}
